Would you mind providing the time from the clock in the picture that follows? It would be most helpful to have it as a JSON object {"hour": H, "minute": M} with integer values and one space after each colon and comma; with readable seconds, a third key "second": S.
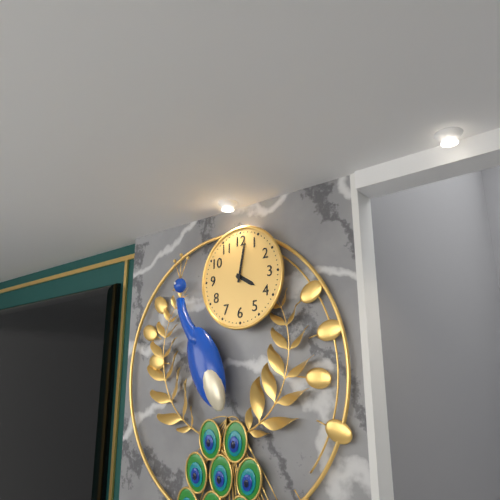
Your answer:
{"hour": 4, "minute": 2}
